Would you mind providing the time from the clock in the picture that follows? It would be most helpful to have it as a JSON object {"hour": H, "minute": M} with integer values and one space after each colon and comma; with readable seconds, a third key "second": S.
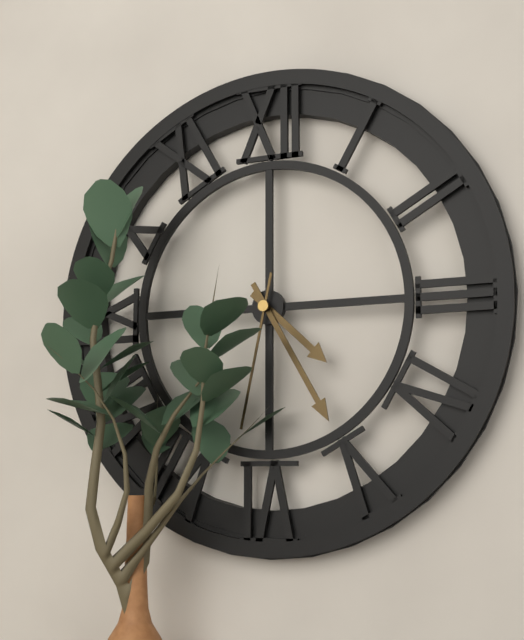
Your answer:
{"hour": 4, "minute": 25, "second": 32}
